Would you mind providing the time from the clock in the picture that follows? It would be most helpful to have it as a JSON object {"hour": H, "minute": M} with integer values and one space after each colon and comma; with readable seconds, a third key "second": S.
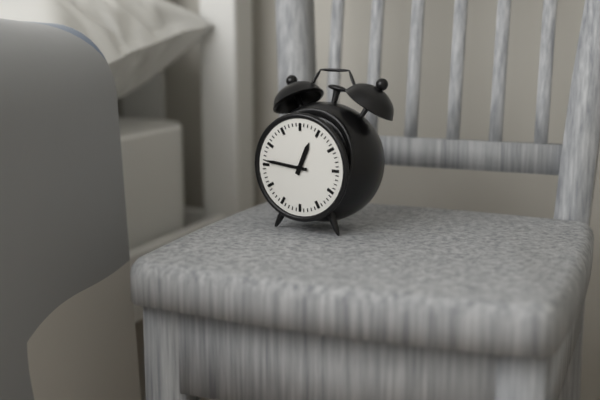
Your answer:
{"hour": 12, "minute": 46}
